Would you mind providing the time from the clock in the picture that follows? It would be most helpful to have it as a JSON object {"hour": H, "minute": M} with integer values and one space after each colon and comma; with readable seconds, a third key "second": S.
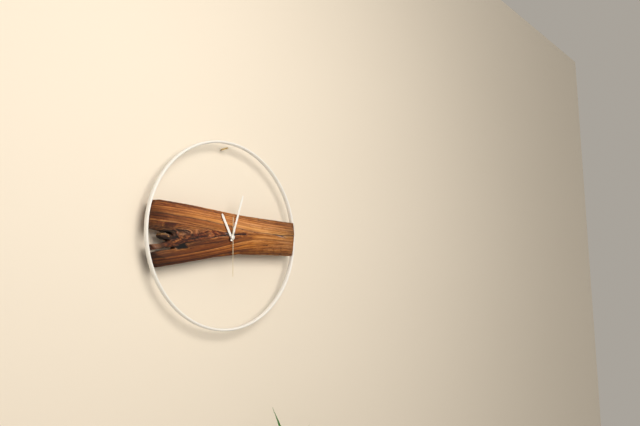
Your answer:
{"hour": 11, "minute": 3}
